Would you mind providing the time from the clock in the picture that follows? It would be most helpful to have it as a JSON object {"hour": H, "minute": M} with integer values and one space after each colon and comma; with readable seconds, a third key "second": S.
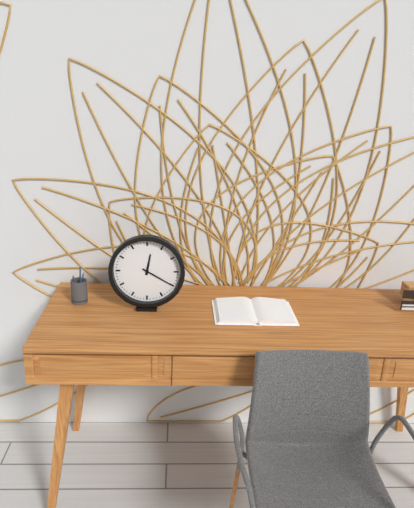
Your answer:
{"hour": 12, "minute": 20}
